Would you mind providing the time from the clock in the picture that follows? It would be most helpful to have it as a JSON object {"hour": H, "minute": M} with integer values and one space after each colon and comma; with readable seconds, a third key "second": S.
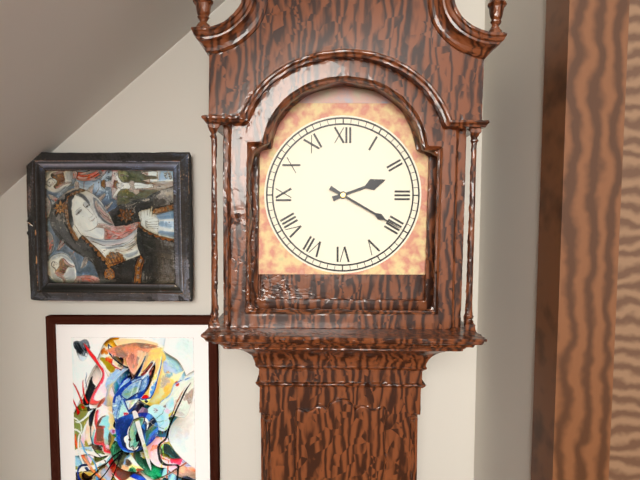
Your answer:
{"hour": 2, "minute": 20}
